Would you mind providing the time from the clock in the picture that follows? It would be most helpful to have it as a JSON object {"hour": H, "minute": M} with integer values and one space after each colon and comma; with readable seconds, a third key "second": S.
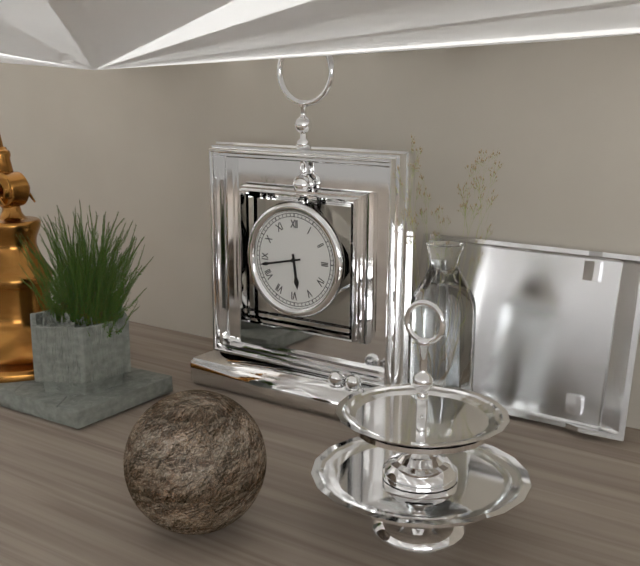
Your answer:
{"hour": 5, "minute": 43}
